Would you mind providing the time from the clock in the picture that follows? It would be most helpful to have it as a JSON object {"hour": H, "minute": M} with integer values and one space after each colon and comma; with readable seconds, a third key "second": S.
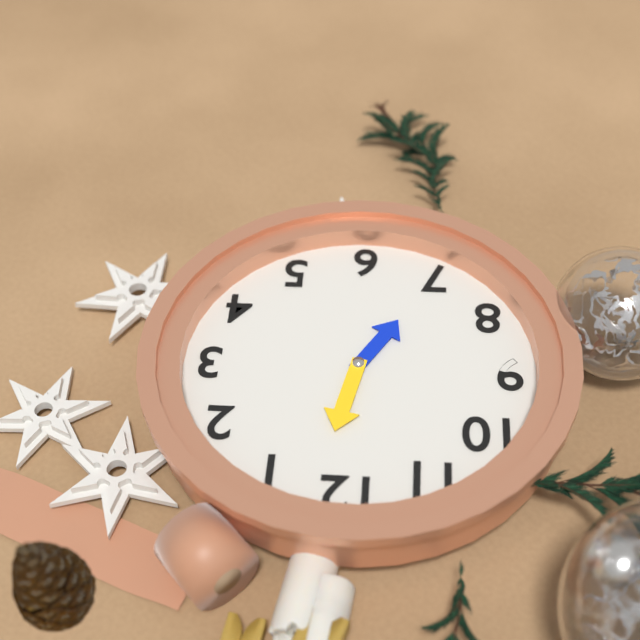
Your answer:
{"hour": 7, "minute": 2}
